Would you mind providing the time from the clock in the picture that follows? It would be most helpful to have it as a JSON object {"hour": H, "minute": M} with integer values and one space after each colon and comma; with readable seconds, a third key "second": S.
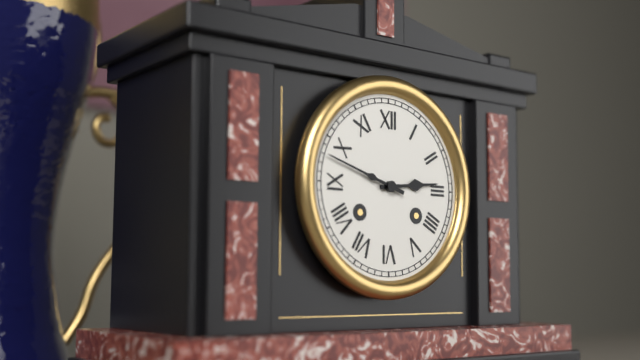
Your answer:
{"hour": 2, "minute": 48}
